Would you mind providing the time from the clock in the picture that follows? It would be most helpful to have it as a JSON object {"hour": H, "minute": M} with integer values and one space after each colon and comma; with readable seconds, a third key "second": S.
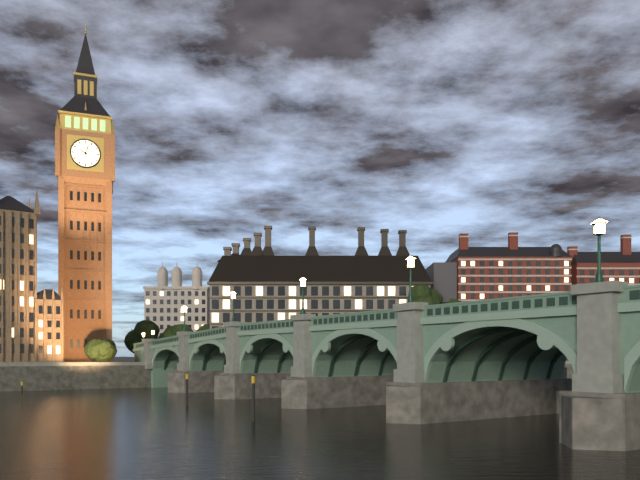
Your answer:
{"hour": 10, "minute": 3}
